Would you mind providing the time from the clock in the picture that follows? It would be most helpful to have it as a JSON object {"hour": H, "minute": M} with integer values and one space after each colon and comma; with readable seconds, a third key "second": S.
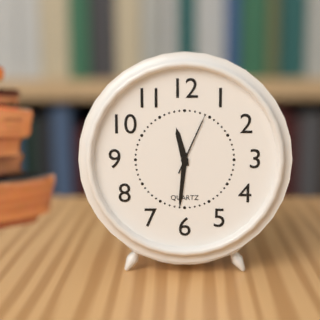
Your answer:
{"hour": 11, "minute": 31, "second": 4}
